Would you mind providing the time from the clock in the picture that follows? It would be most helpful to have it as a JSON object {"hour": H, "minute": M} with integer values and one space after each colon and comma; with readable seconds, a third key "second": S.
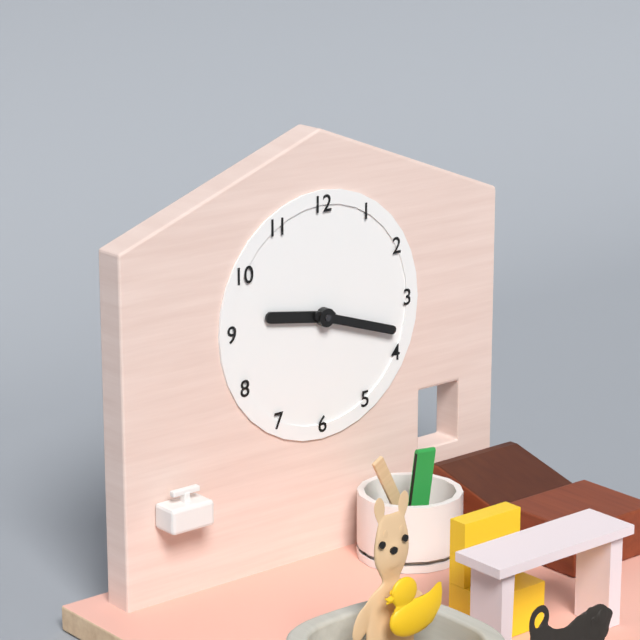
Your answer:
{"hour": 9, "minute": 18}
